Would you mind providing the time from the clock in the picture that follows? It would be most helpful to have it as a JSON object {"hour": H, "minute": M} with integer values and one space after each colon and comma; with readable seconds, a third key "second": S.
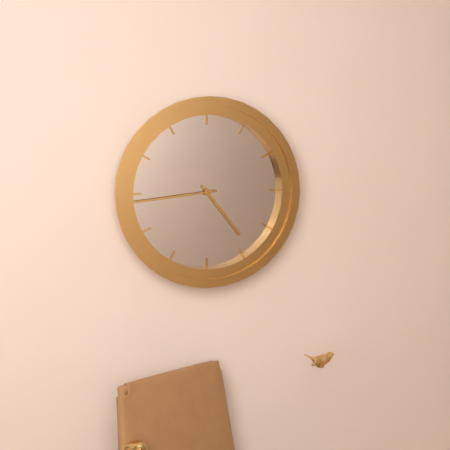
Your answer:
{"hour": 4, "minute": 44}
